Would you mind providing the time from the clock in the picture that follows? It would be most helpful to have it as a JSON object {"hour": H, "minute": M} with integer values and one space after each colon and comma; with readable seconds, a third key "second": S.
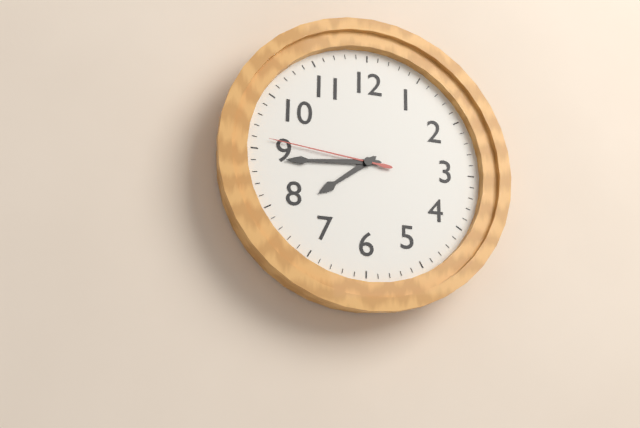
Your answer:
{"hour": 7, "minute": 44, "second": 46}
